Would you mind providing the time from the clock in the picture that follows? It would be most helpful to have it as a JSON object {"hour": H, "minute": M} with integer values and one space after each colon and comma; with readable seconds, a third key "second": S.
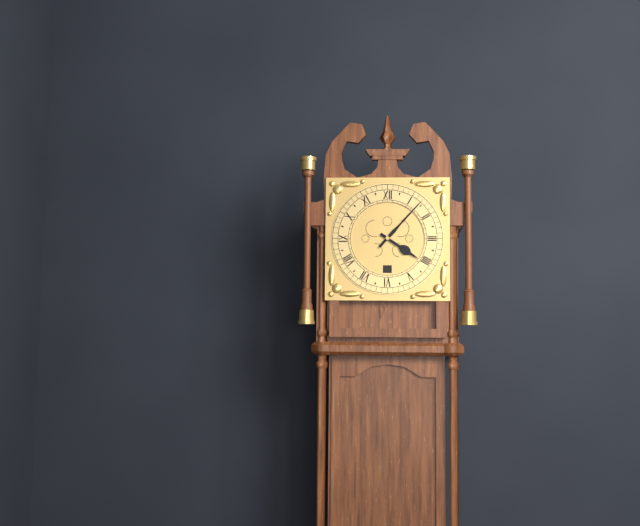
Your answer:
{"hour": 4, "minute": 7}
